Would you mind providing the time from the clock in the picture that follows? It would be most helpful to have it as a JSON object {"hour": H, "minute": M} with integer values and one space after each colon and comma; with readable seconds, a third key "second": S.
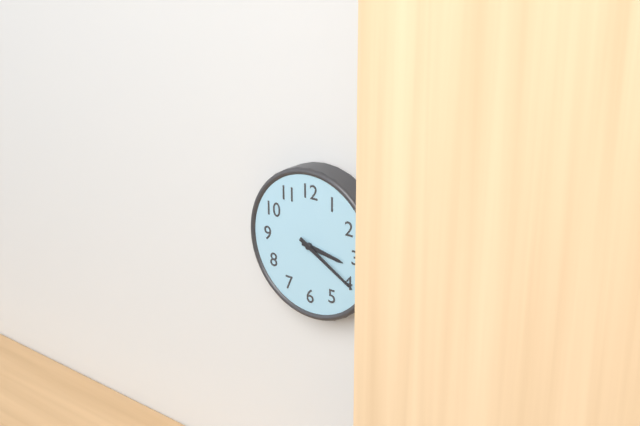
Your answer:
{"hour": 3, "minute": 20}
